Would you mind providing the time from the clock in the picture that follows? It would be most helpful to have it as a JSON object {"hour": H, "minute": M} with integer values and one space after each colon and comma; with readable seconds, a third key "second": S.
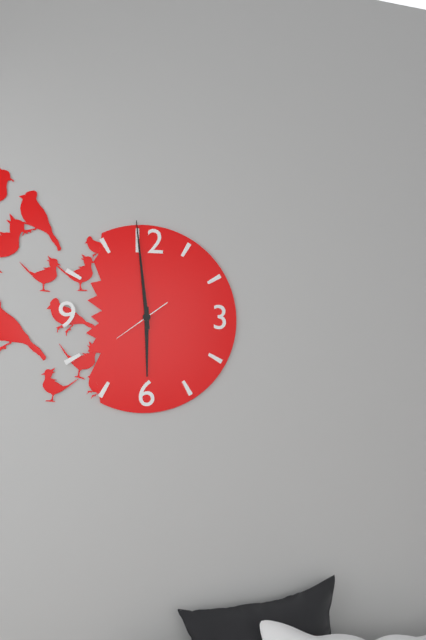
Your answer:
{"hour": 5, "minute": 59}
